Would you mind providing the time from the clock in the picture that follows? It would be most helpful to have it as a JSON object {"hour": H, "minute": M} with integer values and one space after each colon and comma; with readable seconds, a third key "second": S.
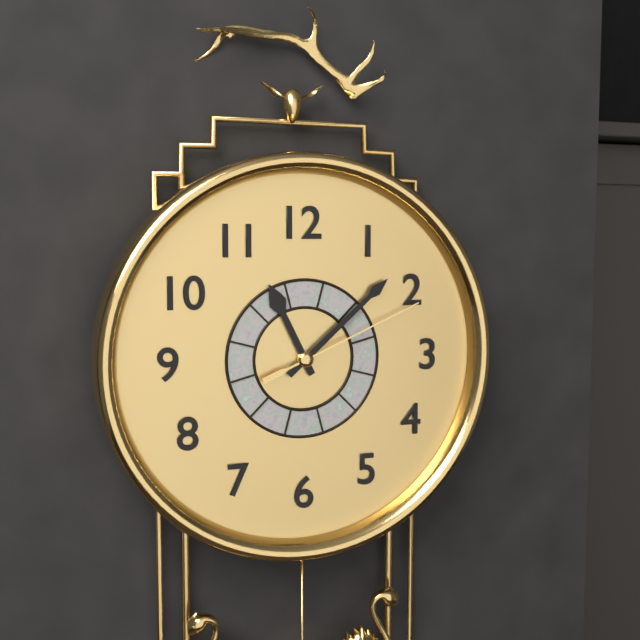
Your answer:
{"hour": 11, "minute": 8, "second": 11}
